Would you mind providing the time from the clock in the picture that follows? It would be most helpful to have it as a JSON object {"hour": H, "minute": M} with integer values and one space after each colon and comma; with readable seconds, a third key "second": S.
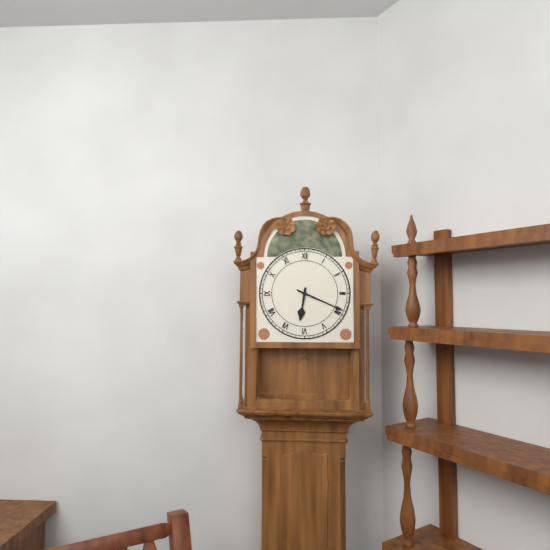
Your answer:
{"hour": 6, "minute": 19}
